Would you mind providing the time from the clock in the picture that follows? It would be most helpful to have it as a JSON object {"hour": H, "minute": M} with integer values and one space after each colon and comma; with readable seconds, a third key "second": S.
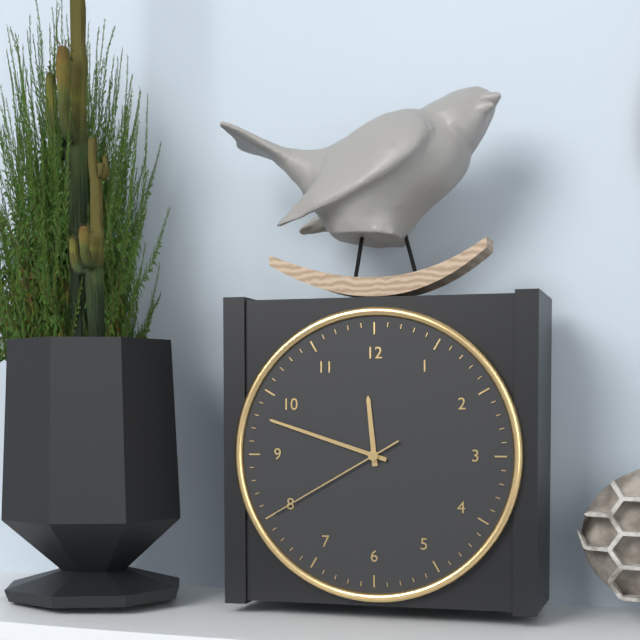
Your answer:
{"hour": 11, "minute": 48, "second": 40}
